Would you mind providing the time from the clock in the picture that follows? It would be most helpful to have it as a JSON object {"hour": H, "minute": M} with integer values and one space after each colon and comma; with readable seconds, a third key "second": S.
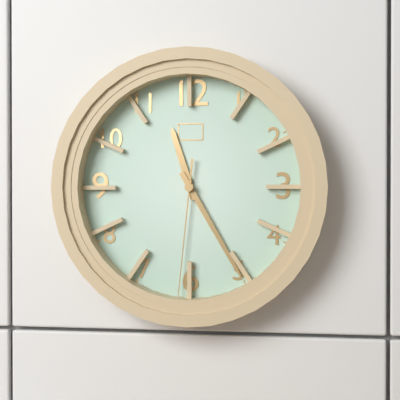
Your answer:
{"hour": 11, "minute": 25, "second": 31}
